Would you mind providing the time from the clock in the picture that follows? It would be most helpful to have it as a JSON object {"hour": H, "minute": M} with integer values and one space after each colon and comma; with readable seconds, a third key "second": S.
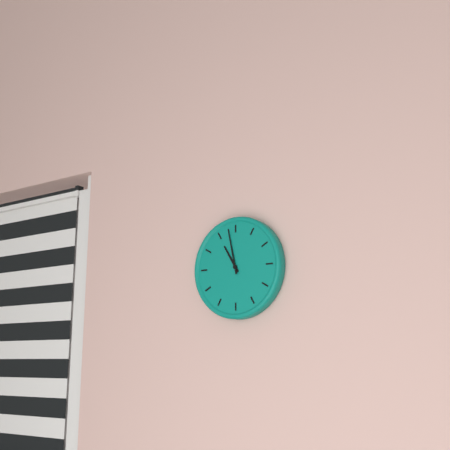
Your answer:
{"hour": 10, "minute": 58}
